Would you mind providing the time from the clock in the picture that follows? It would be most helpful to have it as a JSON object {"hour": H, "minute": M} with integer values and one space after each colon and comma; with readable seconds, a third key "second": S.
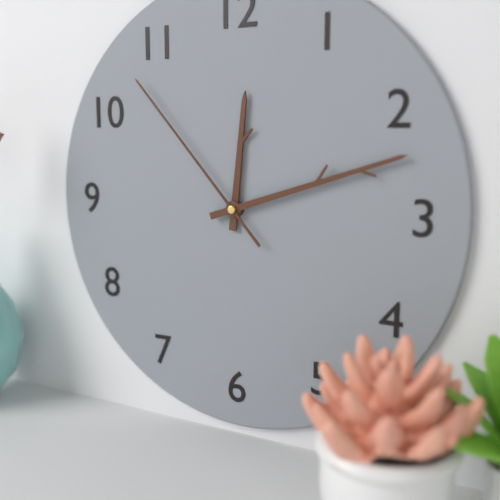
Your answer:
{"hour": 12, "minute": 12, "second": 53}
